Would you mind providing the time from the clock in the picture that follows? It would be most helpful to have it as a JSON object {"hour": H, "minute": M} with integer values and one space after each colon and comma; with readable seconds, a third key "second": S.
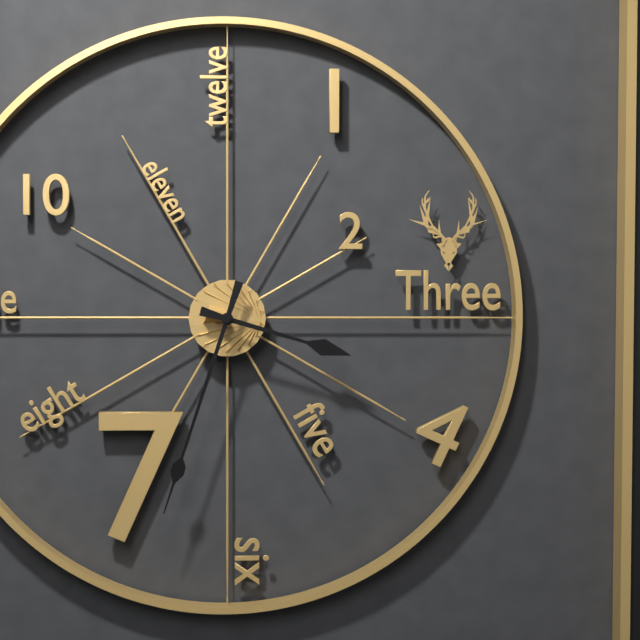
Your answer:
{"hour": 3, "minute": 33}
